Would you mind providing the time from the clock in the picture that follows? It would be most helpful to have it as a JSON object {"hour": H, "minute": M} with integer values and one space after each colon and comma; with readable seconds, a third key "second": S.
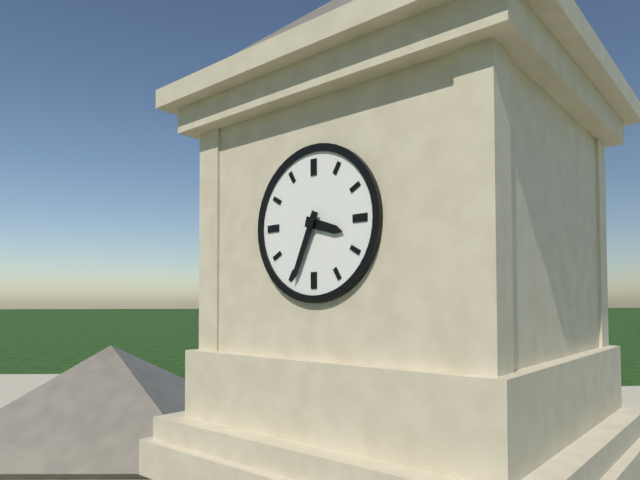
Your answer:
{"hour": 3, "minute": 34}
